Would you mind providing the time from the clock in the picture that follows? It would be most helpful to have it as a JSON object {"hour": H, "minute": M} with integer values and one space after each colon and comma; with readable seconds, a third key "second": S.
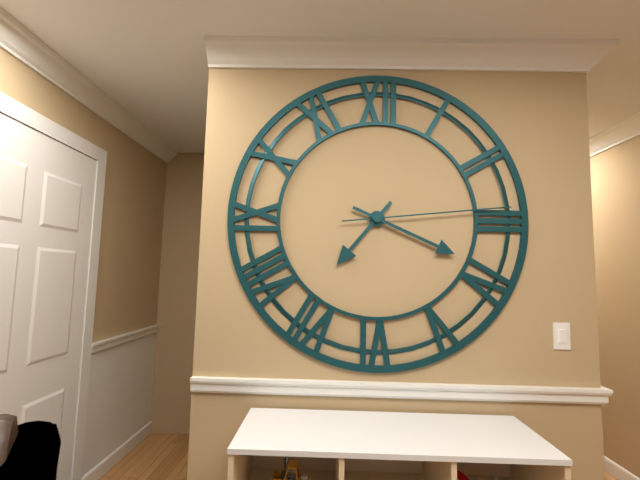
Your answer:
{"hour": 7, "minute": 19, "second": 14}
